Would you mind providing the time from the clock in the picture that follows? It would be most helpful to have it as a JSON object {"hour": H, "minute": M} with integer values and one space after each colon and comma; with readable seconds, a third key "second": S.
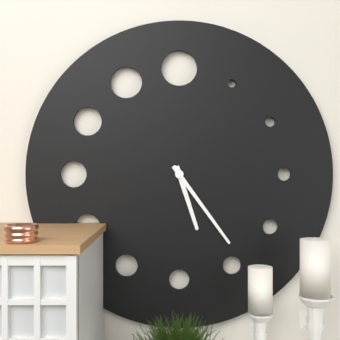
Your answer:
{"hour": 5, "minute": 24}
